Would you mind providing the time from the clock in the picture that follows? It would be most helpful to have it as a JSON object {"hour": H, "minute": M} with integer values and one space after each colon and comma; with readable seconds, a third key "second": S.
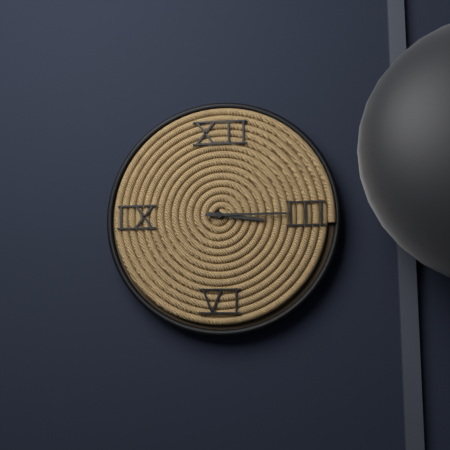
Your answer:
{"hour": 3, "minute": 15}
